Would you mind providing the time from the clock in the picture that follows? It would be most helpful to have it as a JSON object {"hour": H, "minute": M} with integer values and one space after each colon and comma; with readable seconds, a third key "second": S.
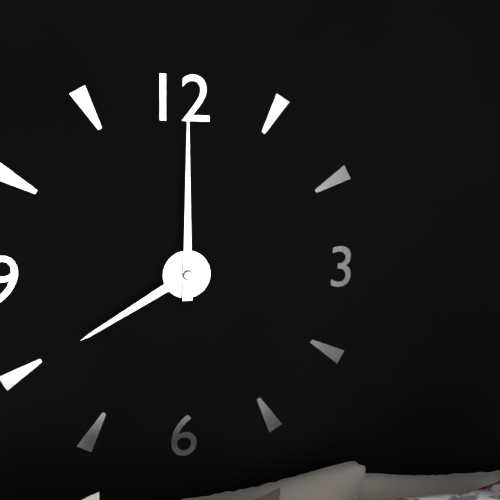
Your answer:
{"hour": 8, "minute": 0}
